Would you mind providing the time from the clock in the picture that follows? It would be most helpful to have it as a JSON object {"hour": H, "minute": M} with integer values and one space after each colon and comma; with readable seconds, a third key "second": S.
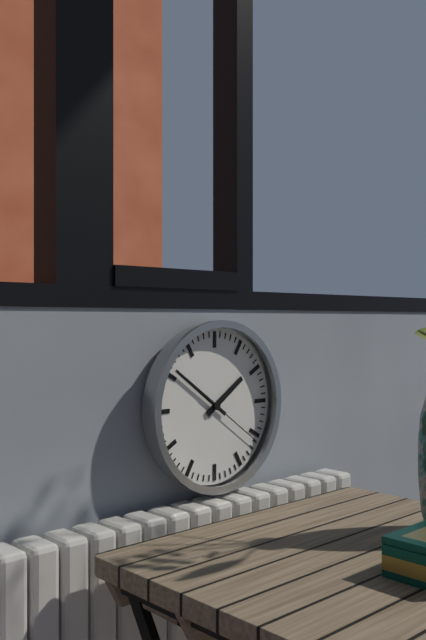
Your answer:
{"hour": 1, "minute": 51, "second": 21}
